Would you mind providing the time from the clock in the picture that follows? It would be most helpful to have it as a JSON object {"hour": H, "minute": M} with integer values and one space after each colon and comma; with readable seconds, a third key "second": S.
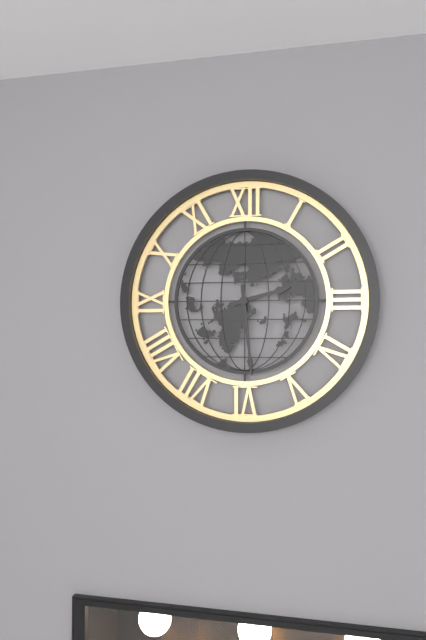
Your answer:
{"hour": 2, "minute": 29}
